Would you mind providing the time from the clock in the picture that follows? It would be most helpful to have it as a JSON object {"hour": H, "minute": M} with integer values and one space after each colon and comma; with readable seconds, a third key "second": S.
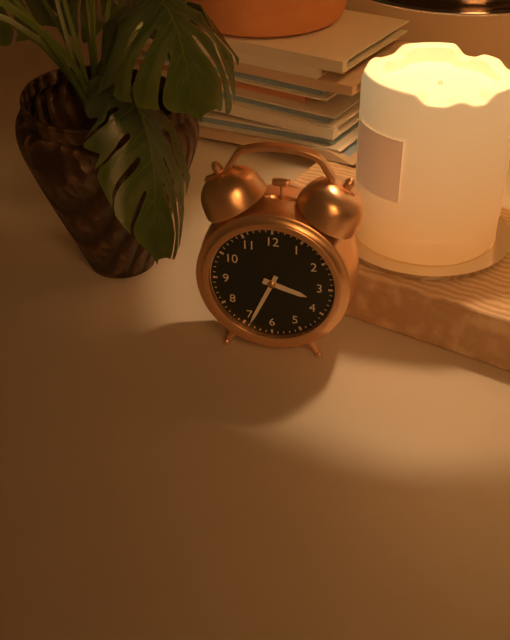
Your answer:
{"hour": 3, "minute": 34}
